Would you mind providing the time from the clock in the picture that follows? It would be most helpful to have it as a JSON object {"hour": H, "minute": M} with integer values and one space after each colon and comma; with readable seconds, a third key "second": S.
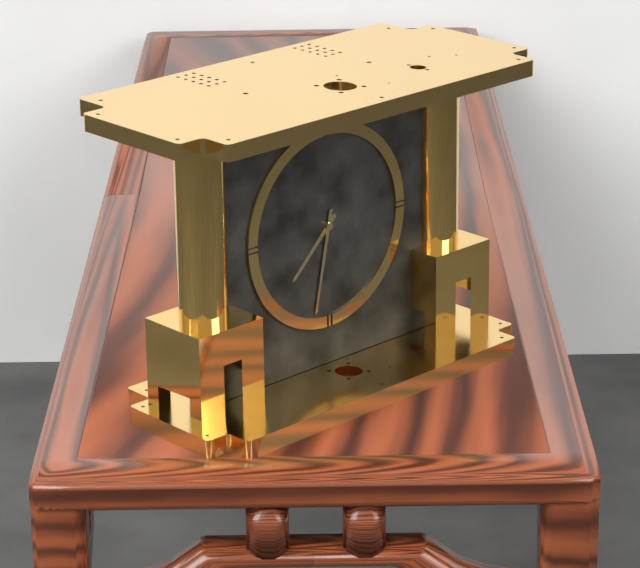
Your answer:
{"hour": 7, "minute": 32}
